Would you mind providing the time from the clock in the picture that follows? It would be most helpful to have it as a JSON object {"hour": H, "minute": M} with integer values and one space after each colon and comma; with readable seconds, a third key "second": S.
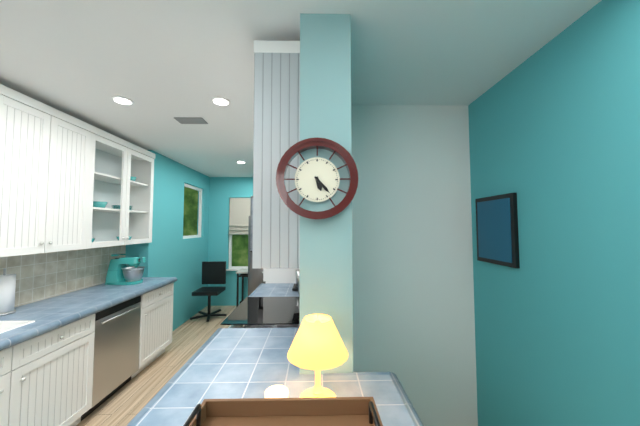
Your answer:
{"hour": 5, "minute": 23}
